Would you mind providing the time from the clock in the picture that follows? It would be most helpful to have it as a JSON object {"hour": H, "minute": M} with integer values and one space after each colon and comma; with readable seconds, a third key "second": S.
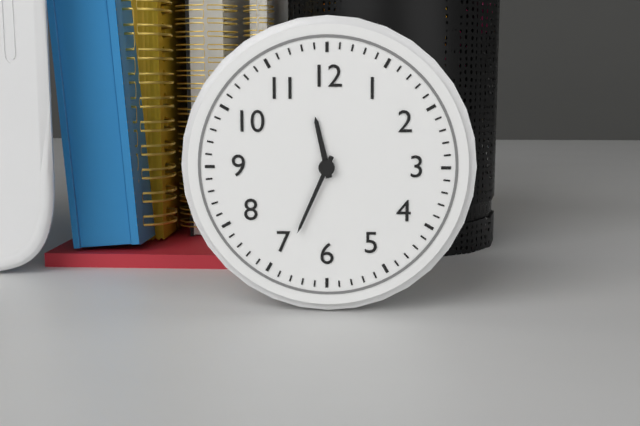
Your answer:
{"hour": 11, "minute": 34}
